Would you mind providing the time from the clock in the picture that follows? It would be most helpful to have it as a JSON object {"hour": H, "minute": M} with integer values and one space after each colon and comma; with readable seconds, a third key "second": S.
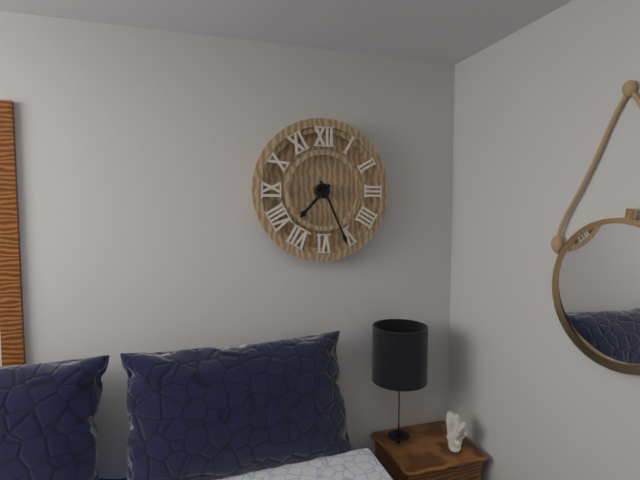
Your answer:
{"hour": 7, "minute": 26}
